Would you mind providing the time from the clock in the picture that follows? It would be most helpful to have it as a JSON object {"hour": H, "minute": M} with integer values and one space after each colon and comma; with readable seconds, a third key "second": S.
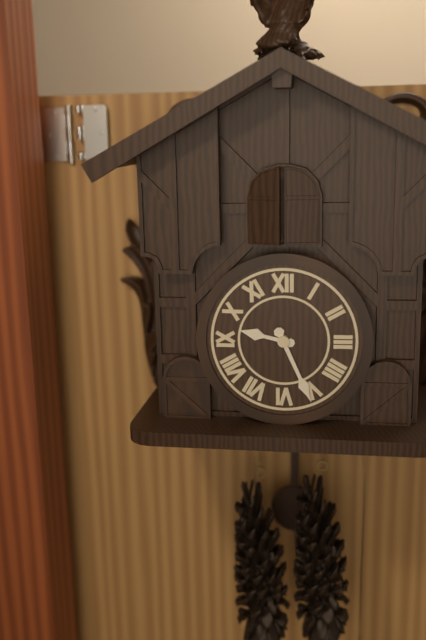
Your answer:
{"hour": 9, "minute": 26}
